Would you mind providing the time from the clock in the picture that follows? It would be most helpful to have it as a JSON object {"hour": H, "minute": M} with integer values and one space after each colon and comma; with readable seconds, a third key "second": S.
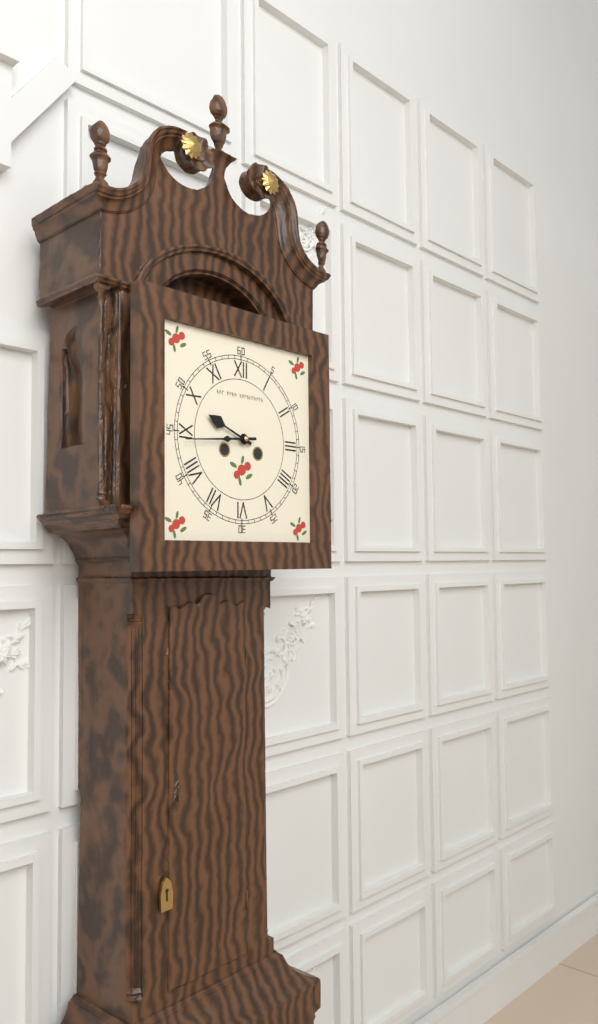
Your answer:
{"hour": 9, "minute": 44}
